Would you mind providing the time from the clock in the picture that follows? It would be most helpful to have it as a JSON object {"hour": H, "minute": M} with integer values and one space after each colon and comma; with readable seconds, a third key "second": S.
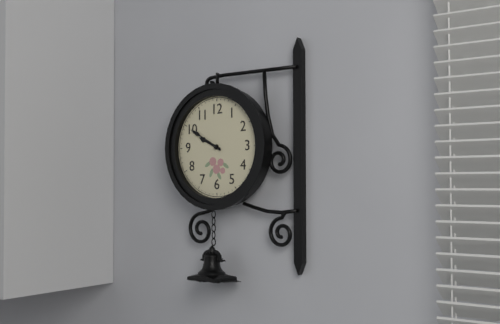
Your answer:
{"hour": 9, "minute": 50}
